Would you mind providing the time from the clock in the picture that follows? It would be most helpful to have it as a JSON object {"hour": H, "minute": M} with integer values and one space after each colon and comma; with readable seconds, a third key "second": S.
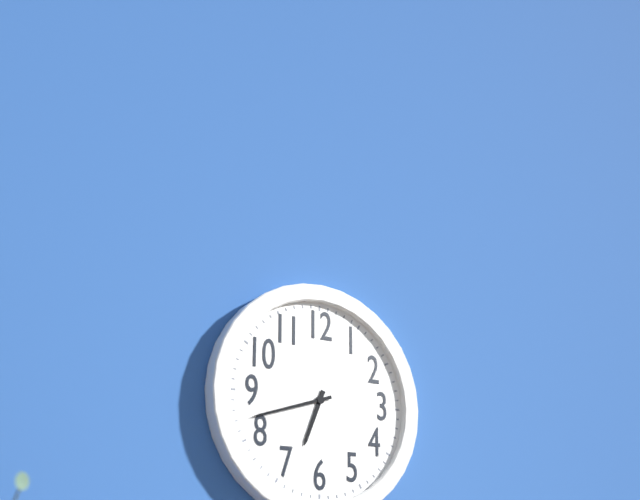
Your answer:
{"hour": 6, "minute": 42}
